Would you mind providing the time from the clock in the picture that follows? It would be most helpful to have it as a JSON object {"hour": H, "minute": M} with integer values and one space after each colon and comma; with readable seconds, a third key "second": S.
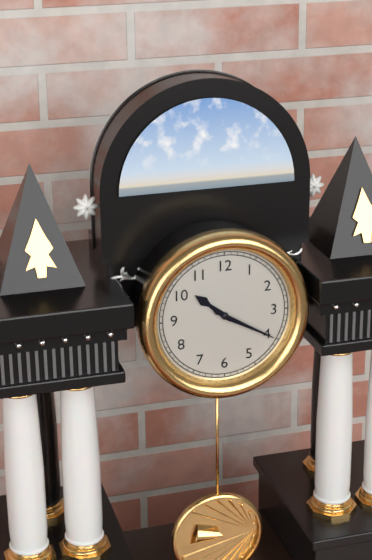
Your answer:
{"hour": 10, "minute": 20}
